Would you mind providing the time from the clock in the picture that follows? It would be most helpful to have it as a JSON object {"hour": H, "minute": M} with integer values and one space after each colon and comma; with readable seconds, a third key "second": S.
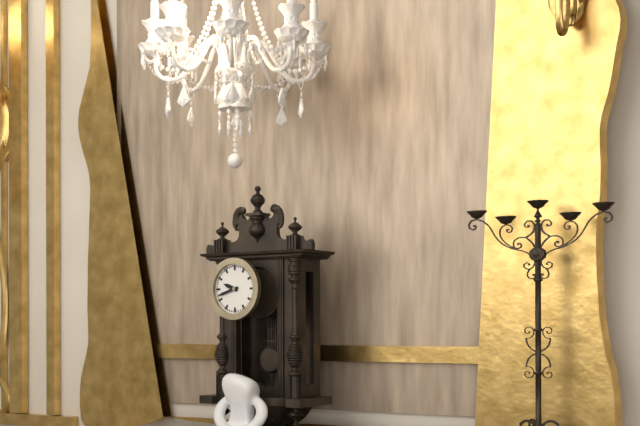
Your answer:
{"hour": 9, "minute": 42}
